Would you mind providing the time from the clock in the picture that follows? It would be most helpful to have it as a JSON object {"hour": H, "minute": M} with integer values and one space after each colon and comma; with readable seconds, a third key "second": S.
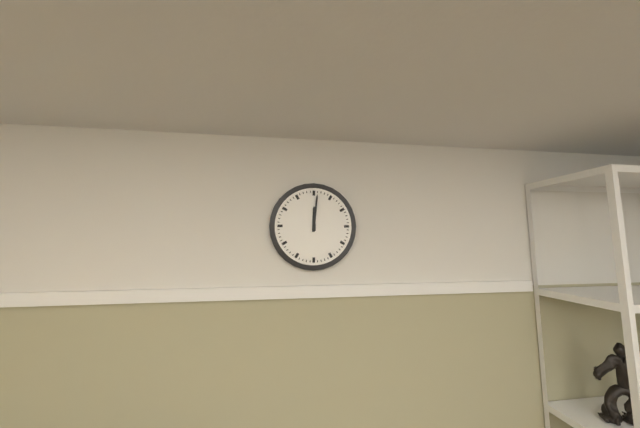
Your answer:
{"hour": 12, "minute": 1}
